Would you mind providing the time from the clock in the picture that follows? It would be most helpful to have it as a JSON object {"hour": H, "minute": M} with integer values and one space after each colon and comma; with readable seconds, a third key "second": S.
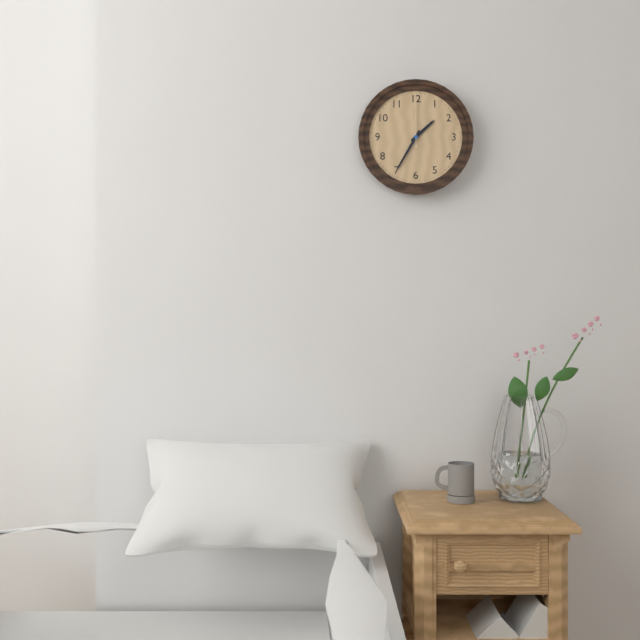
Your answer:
{"hour": 1, "minute": 35}
